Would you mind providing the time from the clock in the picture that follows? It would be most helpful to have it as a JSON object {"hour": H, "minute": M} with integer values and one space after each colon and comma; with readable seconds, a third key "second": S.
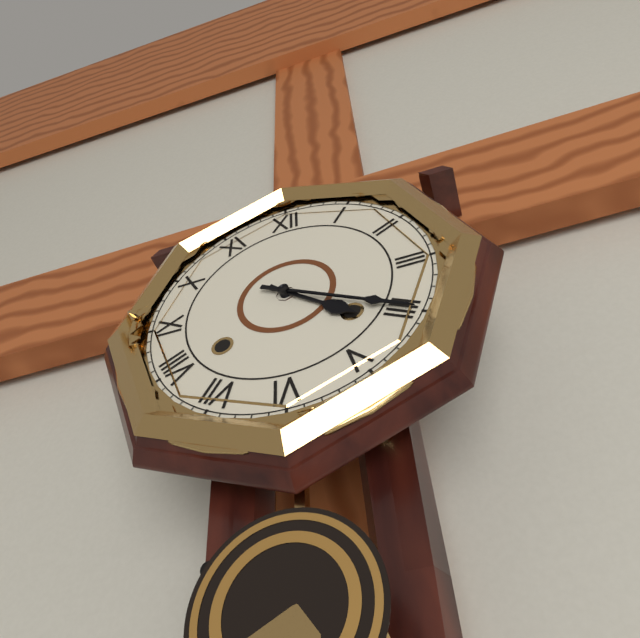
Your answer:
{"hour": 4, "minute": 20}
